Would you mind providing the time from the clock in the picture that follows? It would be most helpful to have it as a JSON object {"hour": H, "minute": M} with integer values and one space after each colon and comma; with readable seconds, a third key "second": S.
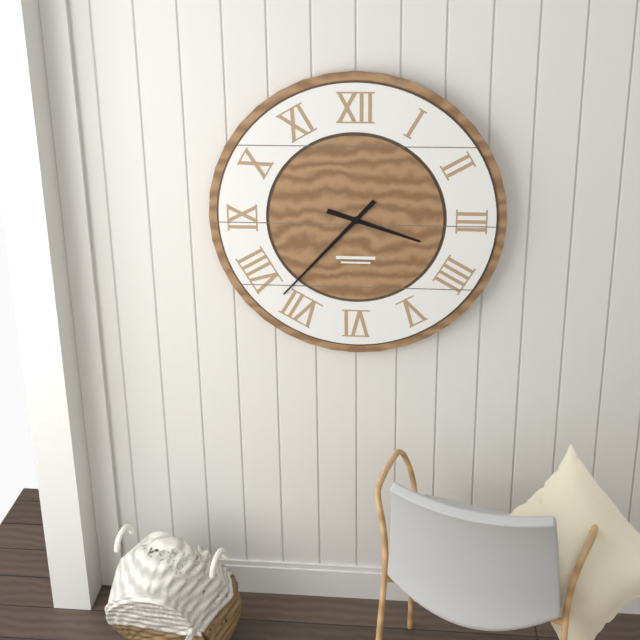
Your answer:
{"hour": 3, "minute": 37}
